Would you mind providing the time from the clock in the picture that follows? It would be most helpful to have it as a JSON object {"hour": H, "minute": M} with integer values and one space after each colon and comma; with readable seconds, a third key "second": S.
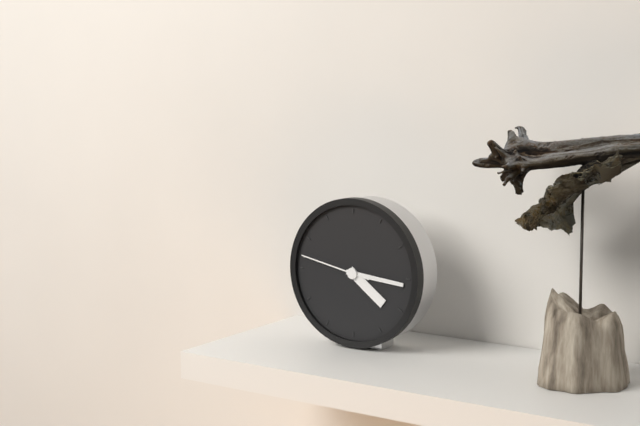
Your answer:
{"hour": 4, "minute": 16, "second": 47}
